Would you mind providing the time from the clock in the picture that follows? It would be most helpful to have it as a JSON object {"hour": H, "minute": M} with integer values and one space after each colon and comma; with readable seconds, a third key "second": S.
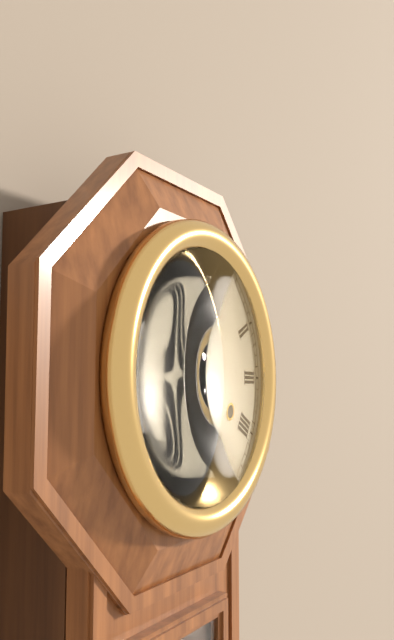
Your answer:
{"hour": 10, "minute": 30}
